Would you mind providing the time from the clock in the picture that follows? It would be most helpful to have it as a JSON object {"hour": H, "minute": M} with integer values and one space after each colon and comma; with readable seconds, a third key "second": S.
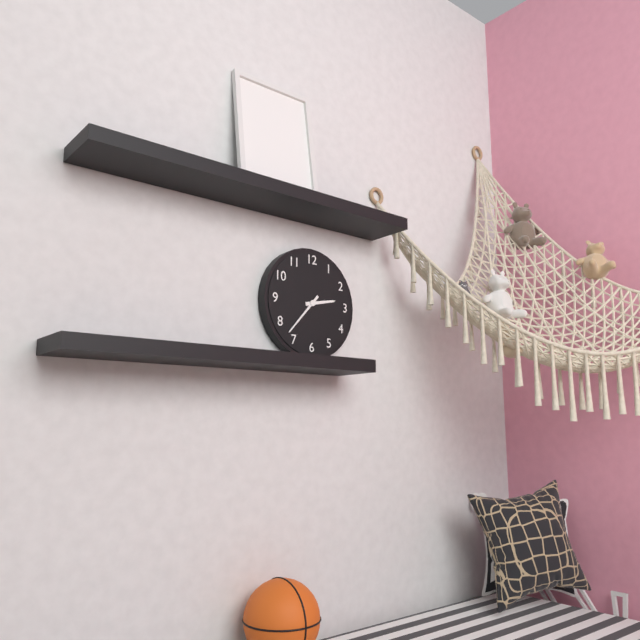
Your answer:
{"hour": 2, "minute": 37}
